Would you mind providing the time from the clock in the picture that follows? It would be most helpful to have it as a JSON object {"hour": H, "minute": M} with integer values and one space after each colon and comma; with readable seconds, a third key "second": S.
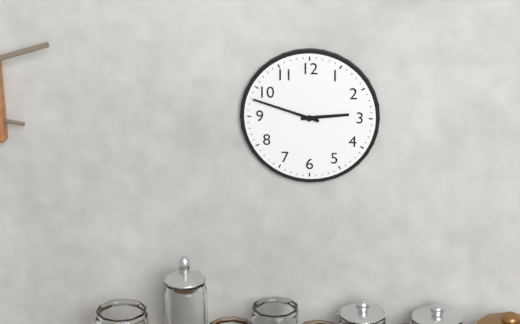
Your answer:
{"hour": 2, "minute": 48}
